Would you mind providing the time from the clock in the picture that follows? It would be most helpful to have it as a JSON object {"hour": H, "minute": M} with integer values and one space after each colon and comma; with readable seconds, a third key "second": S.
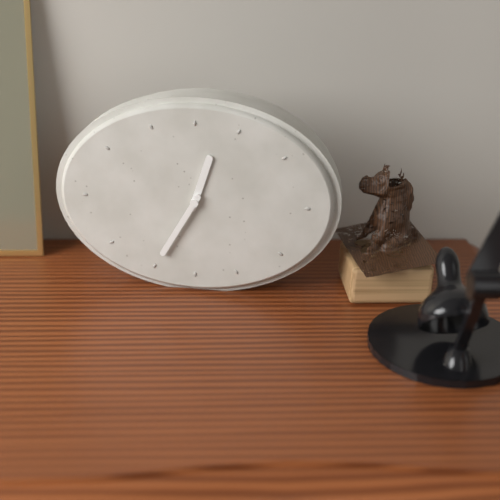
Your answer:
{"hour": 12, "minute": 35}
